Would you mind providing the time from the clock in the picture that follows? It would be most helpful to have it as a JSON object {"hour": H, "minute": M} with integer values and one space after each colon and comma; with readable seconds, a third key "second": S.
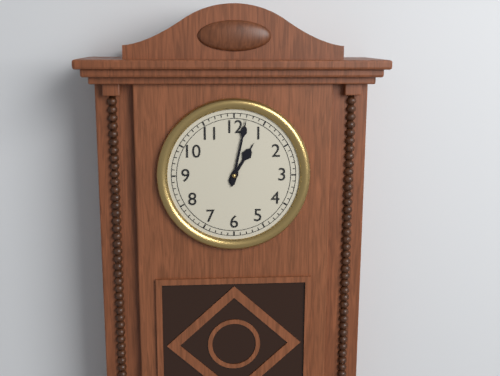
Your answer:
{"hour": 1, "minute": 2}
